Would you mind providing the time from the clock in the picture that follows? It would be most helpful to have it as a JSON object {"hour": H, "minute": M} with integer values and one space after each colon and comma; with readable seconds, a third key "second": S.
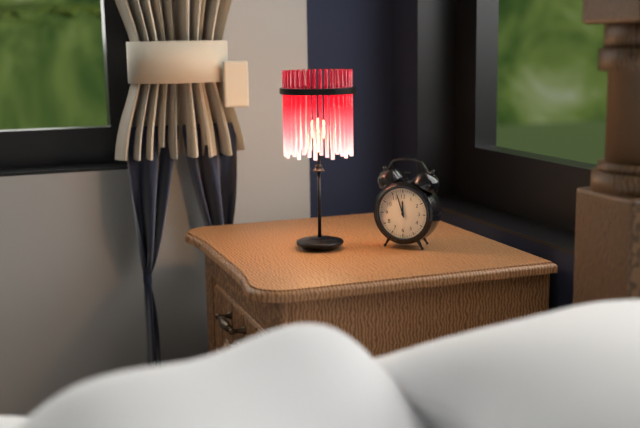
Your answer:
{"hour": 11, "minute": 57}
